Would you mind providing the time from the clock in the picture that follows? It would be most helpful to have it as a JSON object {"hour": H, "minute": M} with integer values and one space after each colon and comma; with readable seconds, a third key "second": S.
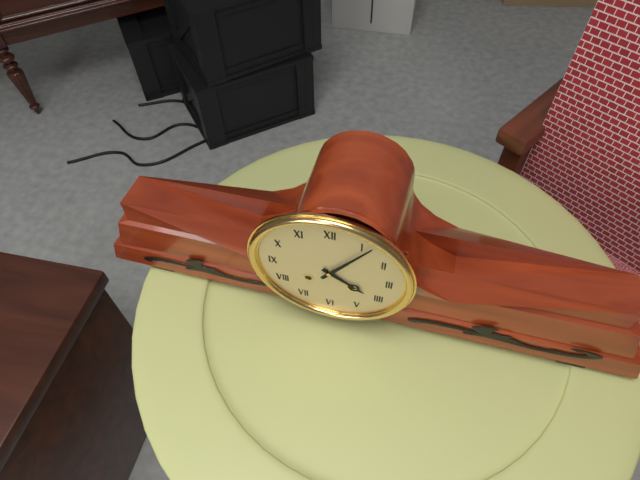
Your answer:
{"hour": 4, "minute": 6}
